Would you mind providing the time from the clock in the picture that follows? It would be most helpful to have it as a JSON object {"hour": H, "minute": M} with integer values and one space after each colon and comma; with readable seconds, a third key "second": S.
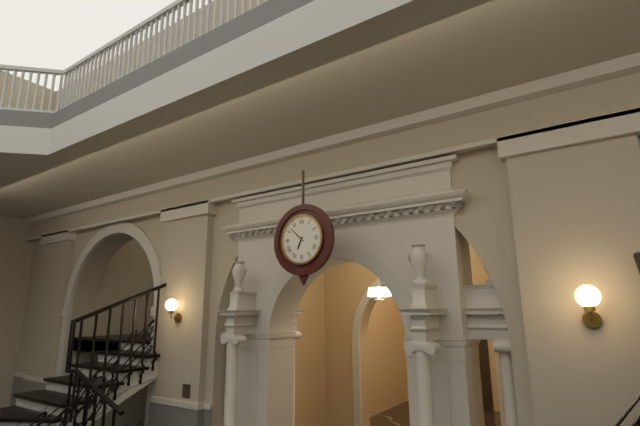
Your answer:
{"hour": 6, "minute": 52}
